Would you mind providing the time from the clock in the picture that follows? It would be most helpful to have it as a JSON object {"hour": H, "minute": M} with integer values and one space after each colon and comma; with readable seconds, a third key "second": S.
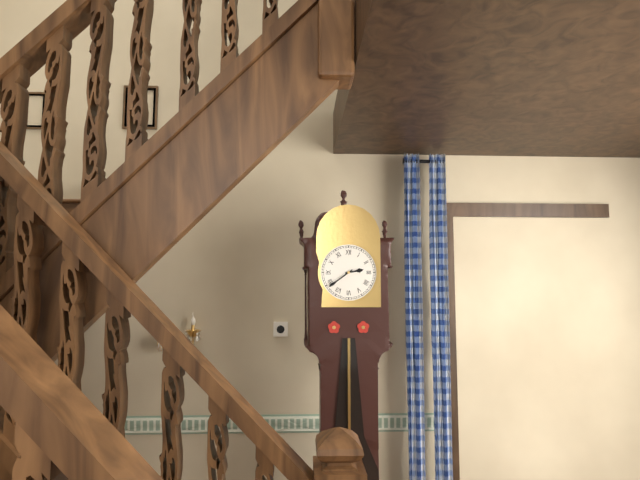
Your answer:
{"hour": 2, "minute": 39}
